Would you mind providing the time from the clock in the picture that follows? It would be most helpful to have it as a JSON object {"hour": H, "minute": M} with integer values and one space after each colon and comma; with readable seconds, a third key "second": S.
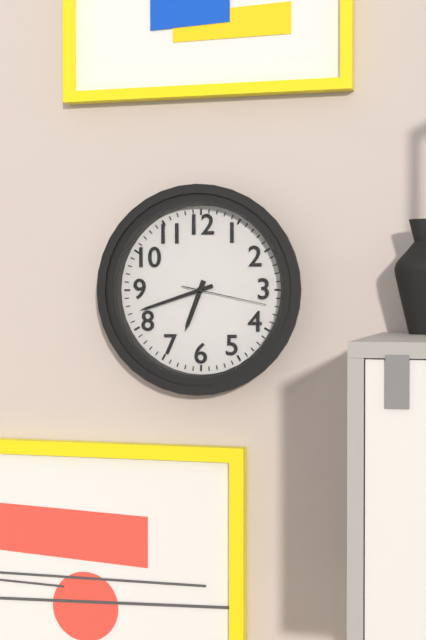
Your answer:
{"hour": 6, "minute": 42, "second": 17}
